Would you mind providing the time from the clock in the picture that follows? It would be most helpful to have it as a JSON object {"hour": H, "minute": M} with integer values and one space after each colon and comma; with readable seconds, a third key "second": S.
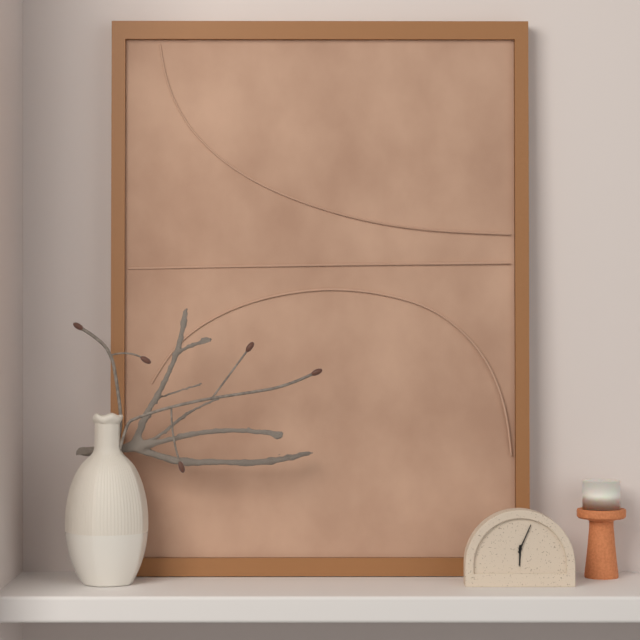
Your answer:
{"hour": 6, "minute": 4}
